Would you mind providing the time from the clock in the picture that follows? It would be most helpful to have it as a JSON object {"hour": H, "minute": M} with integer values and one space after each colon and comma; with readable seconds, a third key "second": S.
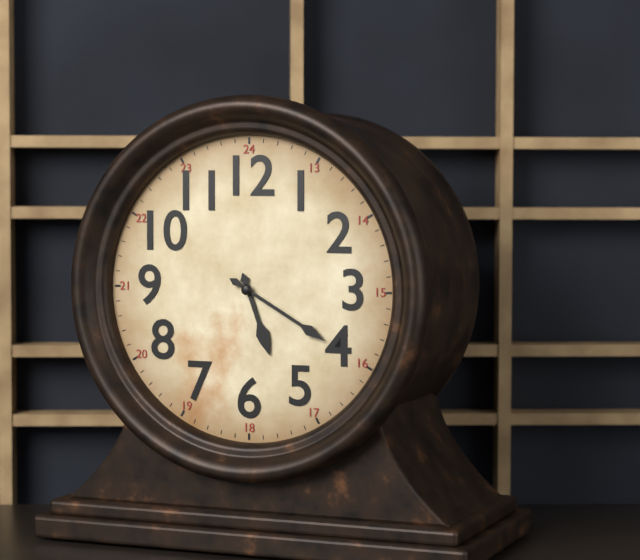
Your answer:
{"hour": 5, "minute": 20}
